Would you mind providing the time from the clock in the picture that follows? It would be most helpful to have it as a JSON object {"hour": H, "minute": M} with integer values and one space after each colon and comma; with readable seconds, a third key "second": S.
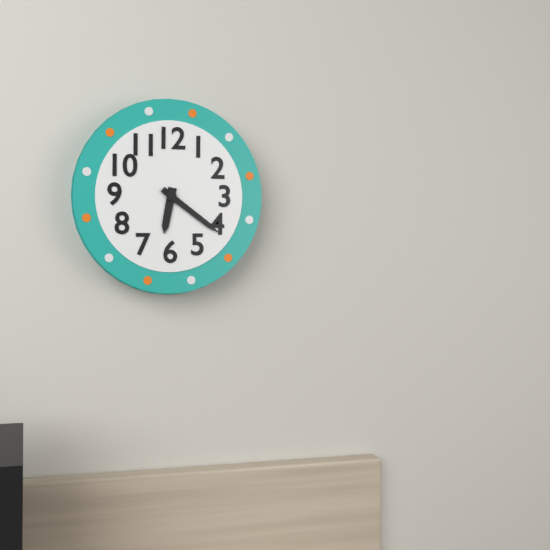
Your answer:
{"hour": 6, "minute": 21}
